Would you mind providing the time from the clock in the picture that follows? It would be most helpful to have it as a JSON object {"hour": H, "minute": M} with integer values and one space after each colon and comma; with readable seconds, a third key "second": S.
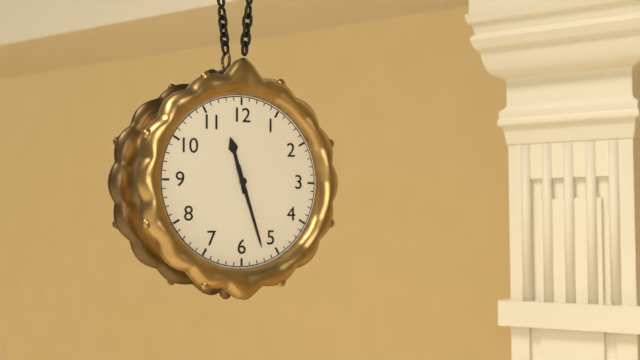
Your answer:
{"hour": 11, "minute": 27}
